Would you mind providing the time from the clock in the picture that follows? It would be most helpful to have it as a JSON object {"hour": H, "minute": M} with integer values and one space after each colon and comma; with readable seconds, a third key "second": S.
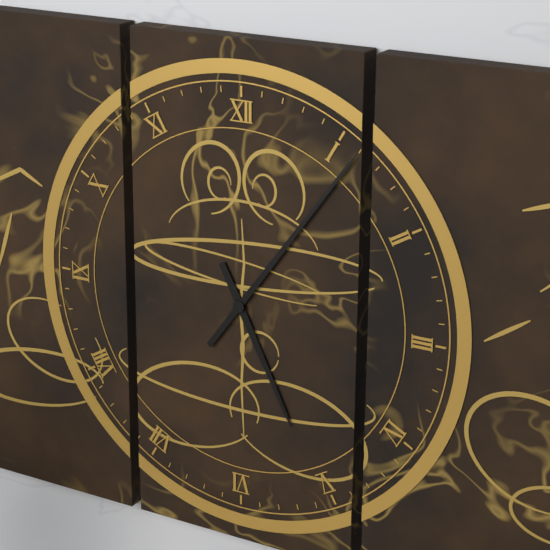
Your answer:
{"hour": 5, "minute": 6}
